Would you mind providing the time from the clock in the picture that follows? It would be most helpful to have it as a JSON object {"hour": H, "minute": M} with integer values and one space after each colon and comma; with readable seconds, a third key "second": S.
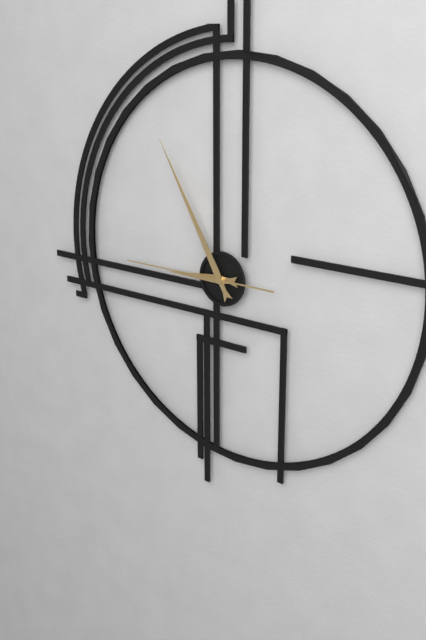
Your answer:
{"hour": 8, "minute": 55, "second": 45}
